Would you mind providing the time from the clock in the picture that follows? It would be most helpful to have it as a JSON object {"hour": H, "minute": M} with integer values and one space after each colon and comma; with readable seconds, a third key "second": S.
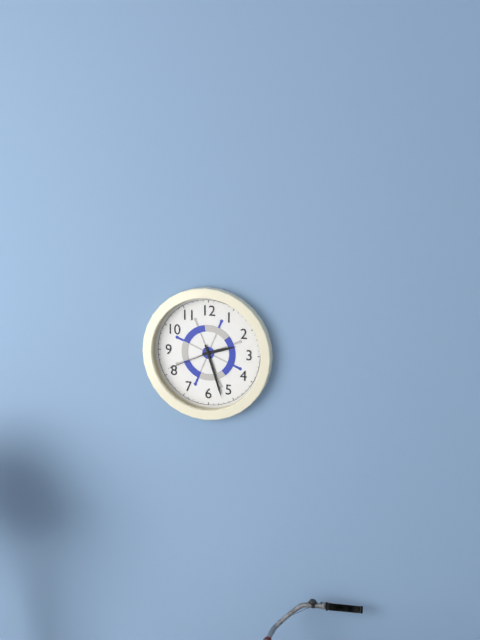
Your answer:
{"hour": 2, "minute": 27, "second": 41}
